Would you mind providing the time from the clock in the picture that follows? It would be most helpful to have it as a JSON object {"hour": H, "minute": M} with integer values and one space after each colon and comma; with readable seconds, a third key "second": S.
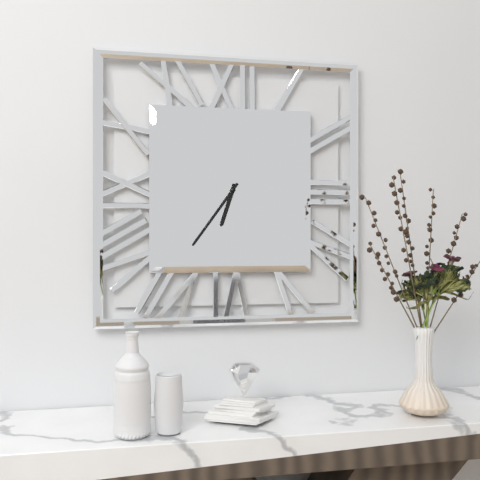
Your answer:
{"hour": 6, "minute": 36}
